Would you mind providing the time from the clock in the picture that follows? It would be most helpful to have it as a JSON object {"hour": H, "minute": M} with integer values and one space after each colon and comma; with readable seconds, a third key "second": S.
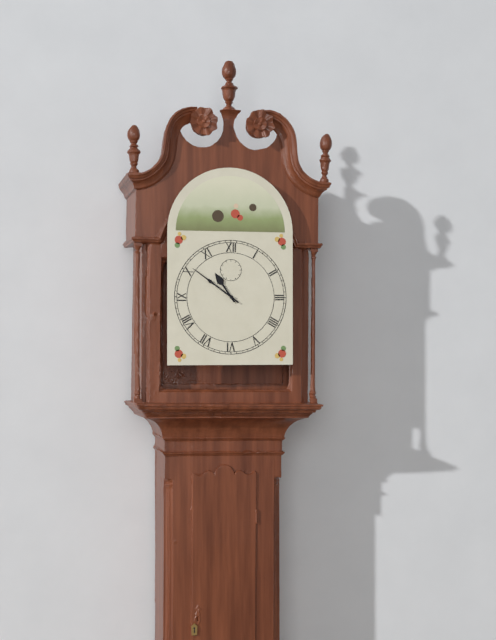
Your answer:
{"hour": 10, "minute": 51}
